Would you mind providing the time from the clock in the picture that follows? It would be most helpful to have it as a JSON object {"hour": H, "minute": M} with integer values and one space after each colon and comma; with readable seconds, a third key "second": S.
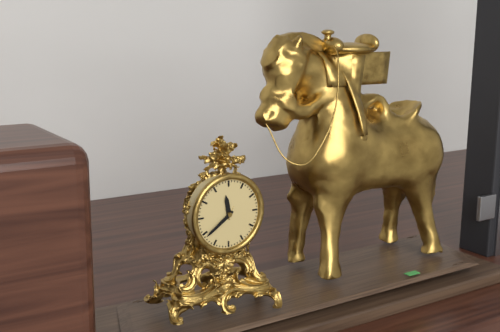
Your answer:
{"hour": 11, "minute": 39}
